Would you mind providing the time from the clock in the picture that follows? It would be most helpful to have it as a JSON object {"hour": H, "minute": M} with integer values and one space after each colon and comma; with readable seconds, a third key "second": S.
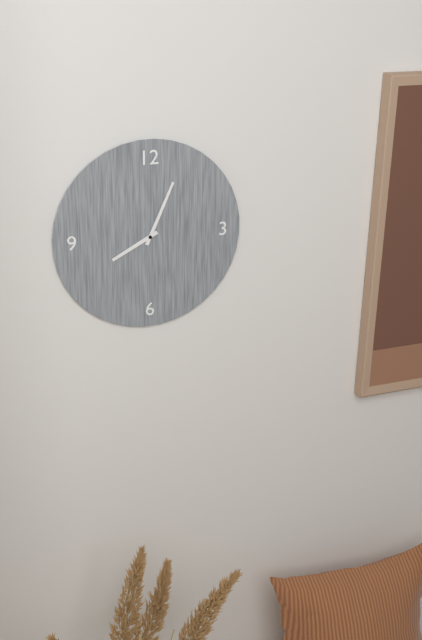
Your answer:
{"hour": 8, "minute": 4}
